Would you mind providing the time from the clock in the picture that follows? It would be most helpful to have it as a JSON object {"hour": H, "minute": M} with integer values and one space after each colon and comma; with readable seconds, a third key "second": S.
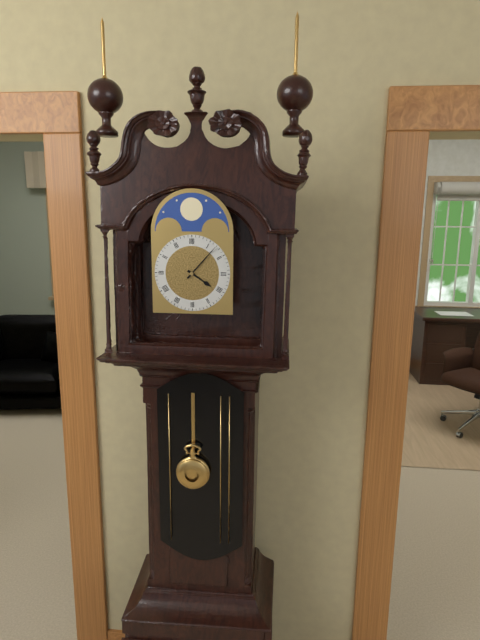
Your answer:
{"hour": 4, "minute": 7}
